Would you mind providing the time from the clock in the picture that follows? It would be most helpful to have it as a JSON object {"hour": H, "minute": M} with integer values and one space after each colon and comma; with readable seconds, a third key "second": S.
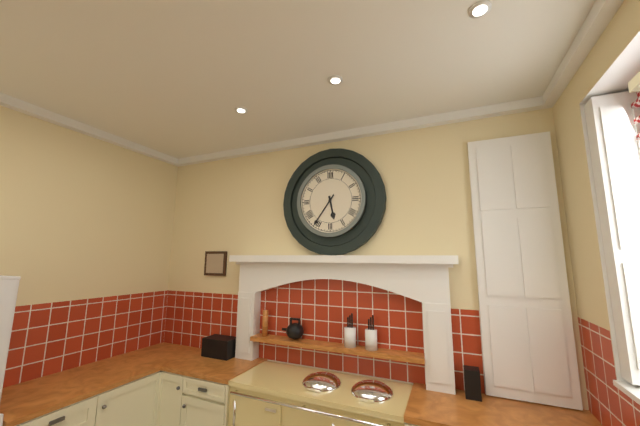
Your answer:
{"hour": 5, "minute": 36}
